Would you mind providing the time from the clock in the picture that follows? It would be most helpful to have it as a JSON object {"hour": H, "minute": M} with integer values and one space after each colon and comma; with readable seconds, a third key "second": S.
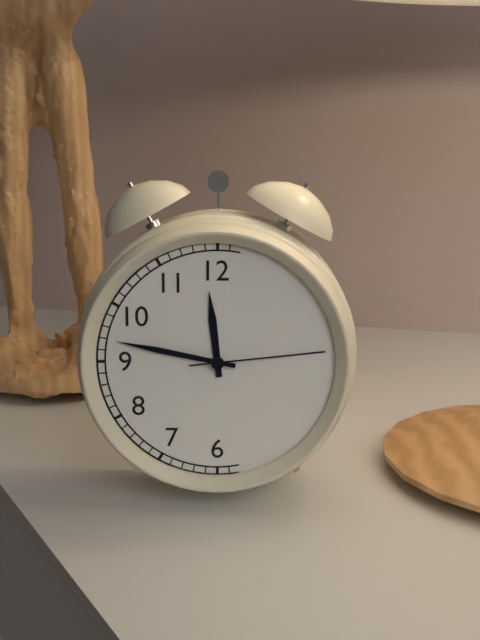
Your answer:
{"hour": 11, "minute": 47, "second": 14}
